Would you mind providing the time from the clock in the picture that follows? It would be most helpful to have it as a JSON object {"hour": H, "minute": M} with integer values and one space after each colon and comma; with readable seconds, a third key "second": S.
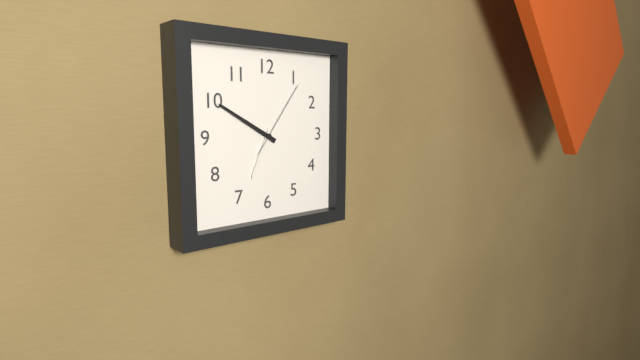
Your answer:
{"hour": 6, "minute": 50, "second": 6}
